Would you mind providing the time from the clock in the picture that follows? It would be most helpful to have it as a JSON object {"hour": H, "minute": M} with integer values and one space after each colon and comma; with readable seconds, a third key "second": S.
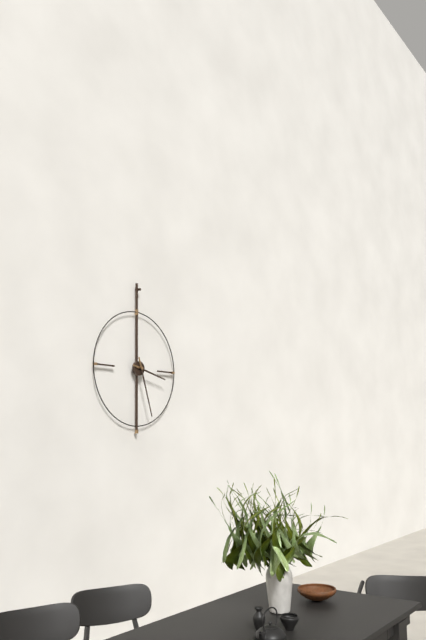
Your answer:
{"hour": 3, "minute": 27}
